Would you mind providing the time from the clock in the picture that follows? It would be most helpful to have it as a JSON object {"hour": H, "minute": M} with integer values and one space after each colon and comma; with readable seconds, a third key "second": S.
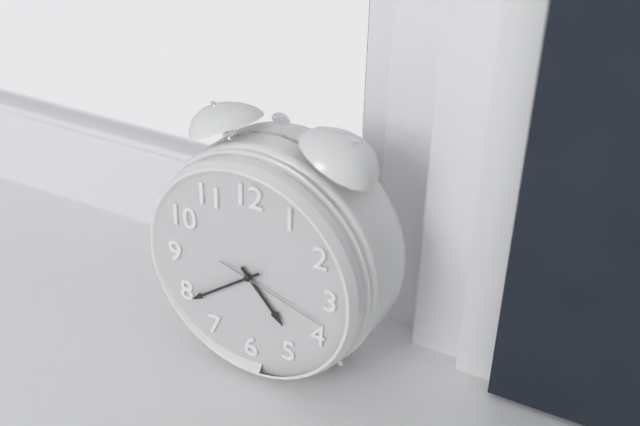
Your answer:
{"hour": 4, "minute": 39, "second": 18}
